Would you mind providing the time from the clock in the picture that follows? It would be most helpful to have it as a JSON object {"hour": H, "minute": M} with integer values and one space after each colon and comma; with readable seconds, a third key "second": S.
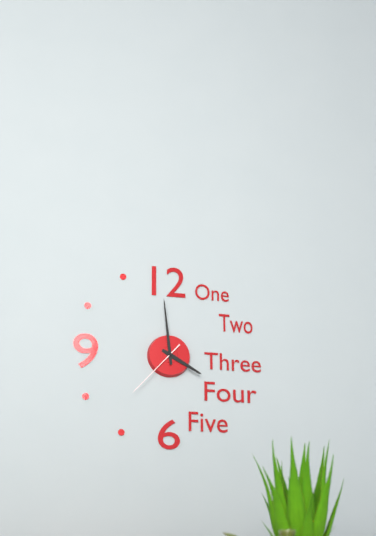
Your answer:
{"hour": 3, "minute": 59, "second": 37}
